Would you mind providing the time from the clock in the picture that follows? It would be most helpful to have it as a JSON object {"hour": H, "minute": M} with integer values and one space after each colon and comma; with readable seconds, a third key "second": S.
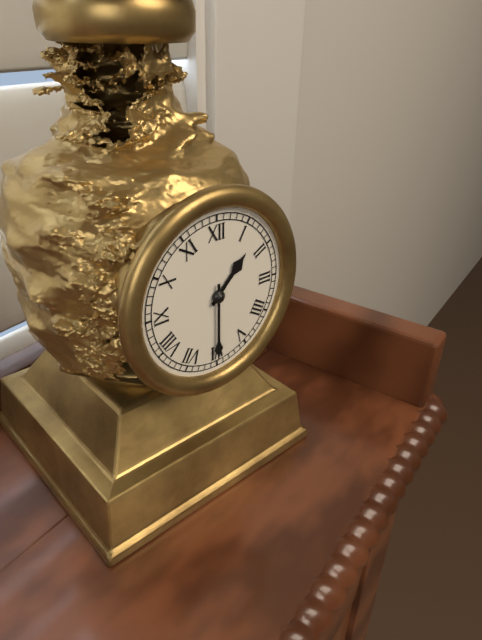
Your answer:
{"hour": 1, "minute": 30}
